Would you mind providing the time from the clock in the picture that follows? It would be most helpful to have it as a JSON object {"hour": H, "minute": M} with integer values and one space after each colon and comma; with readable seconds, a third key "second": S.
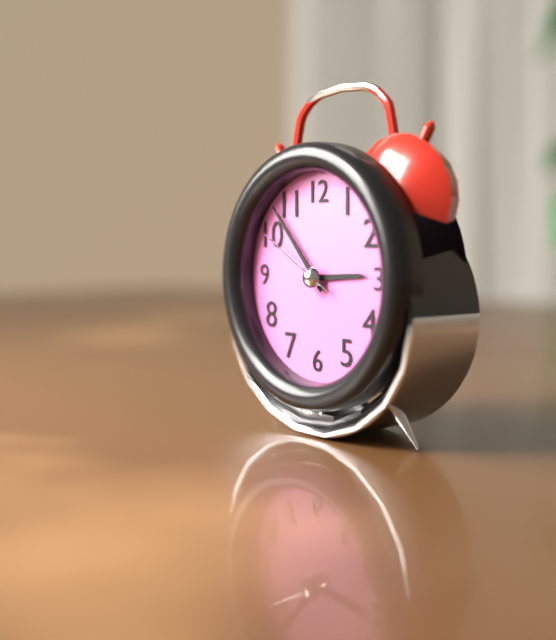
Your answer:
{"hour": 2, "minute": 53, "second": 50}
